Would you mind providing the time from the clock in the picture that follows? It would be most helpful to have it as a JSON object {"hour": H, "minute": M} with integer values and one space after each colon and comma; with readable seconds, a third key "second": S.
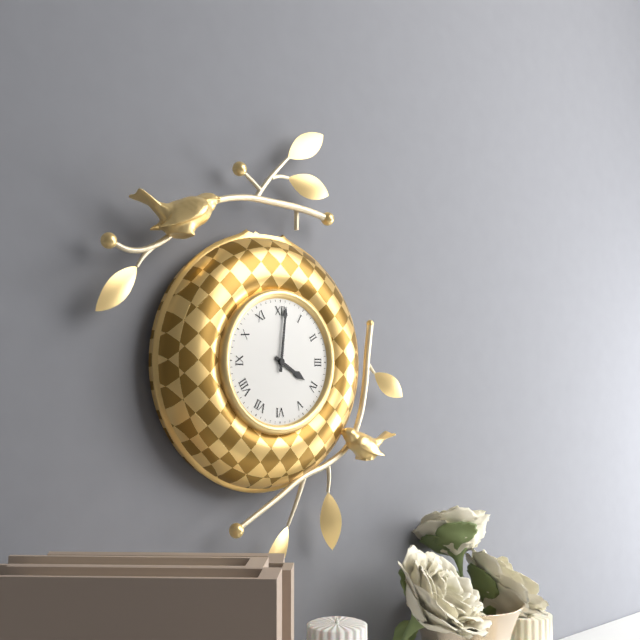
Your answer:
{"hour": 4, "minute": 1}
